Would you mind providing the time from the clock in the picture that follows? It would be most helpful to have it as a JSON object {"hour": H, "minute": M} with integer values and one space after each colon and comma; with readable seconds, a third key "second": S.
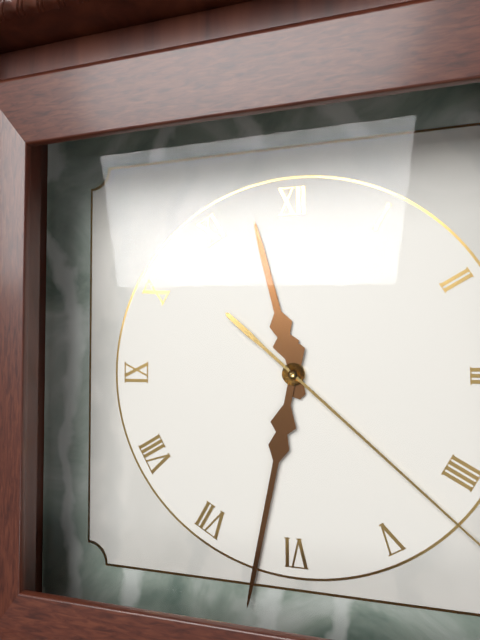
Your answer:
{"hour": 11, "minute": 32}
